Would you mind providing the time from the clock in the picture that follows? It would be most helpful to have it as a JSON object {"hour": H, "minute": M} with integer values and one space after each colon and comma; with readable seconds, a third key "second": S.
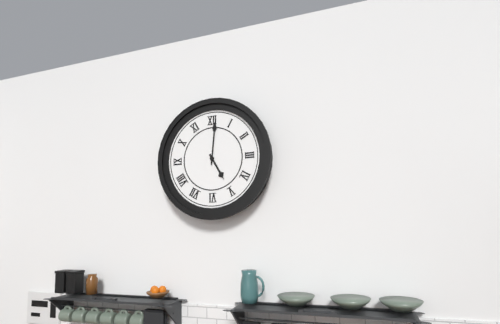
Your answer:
{"hour": 5, "minute": 1}
